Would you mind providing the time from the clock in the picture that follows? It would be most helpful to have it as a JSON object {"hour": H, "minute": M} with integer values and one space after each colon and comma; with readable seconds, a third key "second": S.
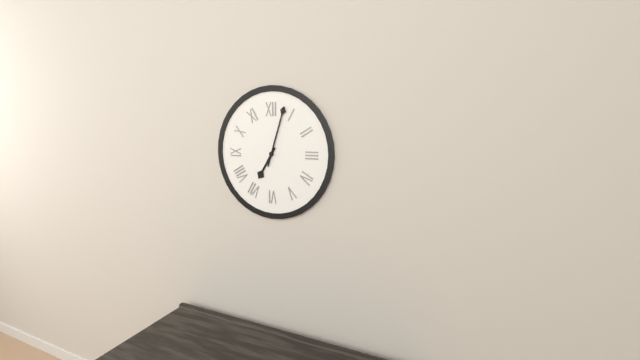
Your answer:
{"hour": 7, "minute": 3}
